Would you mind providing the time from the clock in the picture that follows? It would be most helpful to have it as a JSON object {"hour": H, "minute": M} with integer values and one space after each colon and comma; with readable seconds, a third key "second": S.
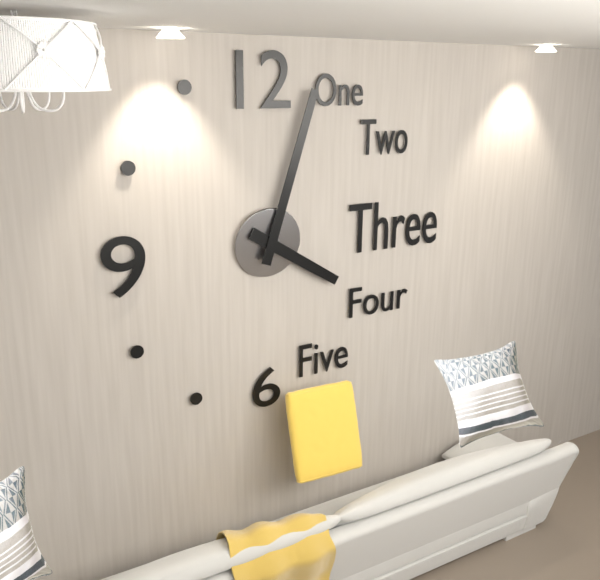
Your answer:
{"hour": 4, "minute": 3}
